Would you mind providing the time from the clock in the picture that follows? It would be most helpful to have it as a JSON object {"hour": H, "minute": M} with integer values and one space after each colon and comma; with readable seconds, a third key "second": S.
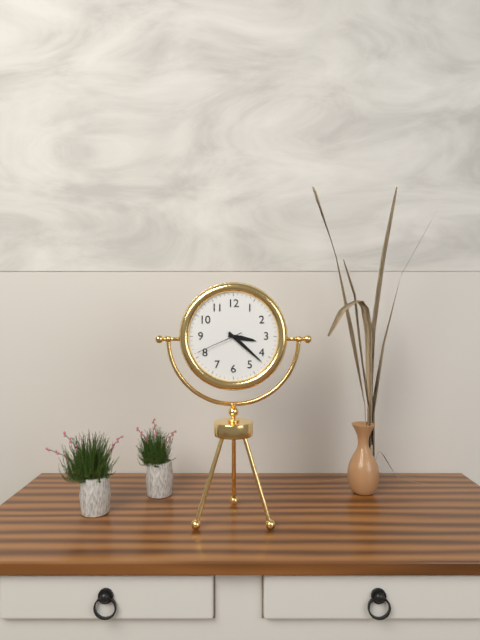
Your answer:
{"hour": 3, "minute": 22}
